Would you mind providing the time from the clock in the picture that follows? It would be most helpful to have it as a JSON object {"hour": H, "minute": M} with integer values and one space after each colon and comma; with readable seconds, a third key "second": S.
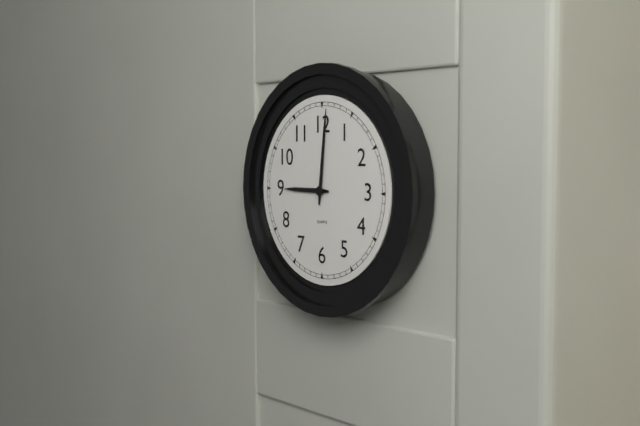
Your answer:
{"hour": 9, "minute": 1}
